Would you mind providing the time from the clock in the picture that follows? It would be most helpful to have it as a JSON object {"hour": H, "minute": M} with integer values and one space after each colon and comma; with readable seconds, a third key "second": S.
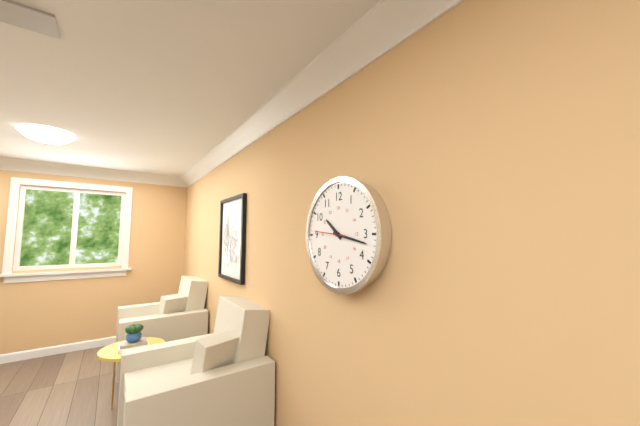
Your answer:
{"hour": 10, "minute": 17}
